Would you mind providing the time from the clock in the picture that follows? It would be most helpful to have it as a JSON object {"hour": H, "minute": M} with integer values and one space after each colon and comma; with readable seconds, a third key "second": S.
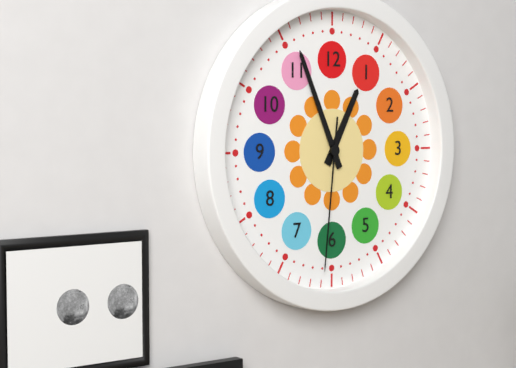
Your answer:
{"hour": 12, "minute": 56, "second": 31}
